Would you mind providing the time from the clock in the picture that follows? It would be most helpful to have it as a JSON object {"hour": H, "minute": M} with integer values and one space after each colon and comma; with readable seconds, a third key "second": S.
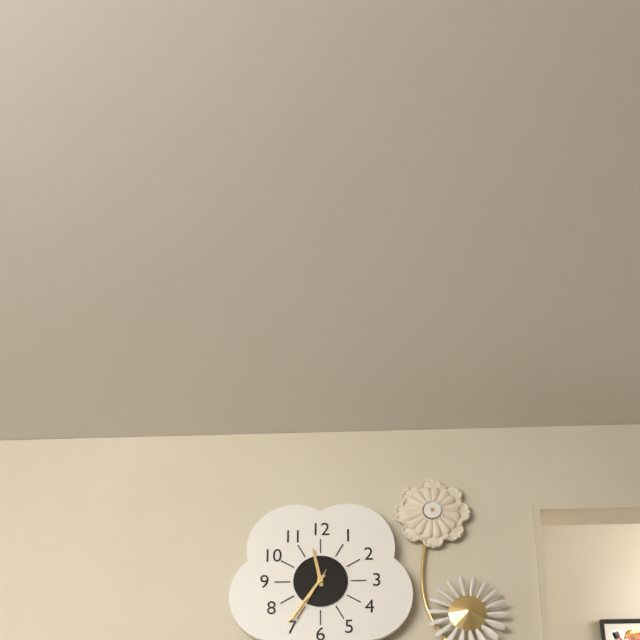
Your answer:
{"hour": 11, "minute": 36, "second": 35}
